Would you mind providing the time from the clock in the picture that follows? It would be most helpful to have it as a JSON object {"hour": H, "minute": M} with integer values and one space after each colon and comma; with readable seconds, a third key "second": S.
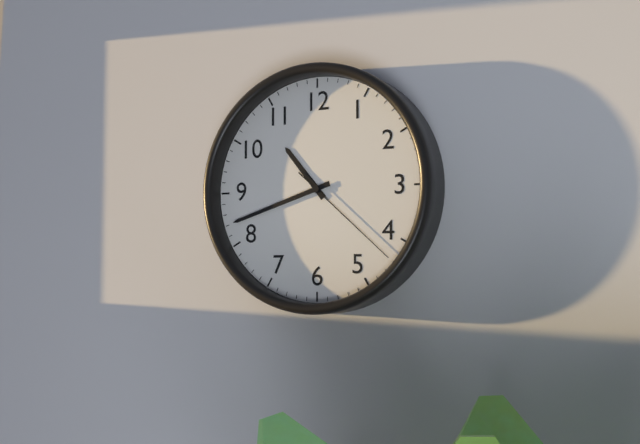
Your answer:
{"hour": 10, "minute": 42, "second": 22}
